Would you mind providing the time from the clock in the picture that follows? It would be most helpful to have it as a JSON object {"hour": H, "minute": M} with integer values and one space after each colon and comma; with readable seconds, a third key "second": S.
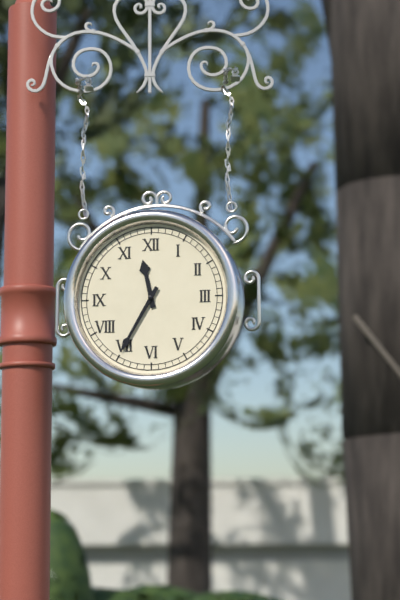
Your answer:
{"hour": 11, "minute": 35}
